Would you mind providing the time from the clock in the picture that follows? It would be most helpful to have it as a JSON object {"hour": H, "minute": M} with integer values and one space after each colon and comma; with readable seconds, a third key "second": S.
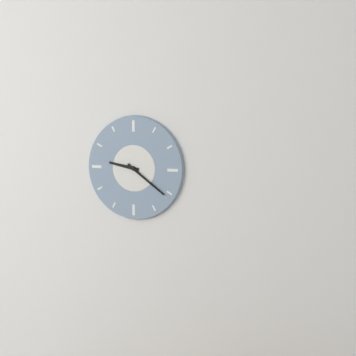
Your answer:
{"hour": 9, "minute": 21}
